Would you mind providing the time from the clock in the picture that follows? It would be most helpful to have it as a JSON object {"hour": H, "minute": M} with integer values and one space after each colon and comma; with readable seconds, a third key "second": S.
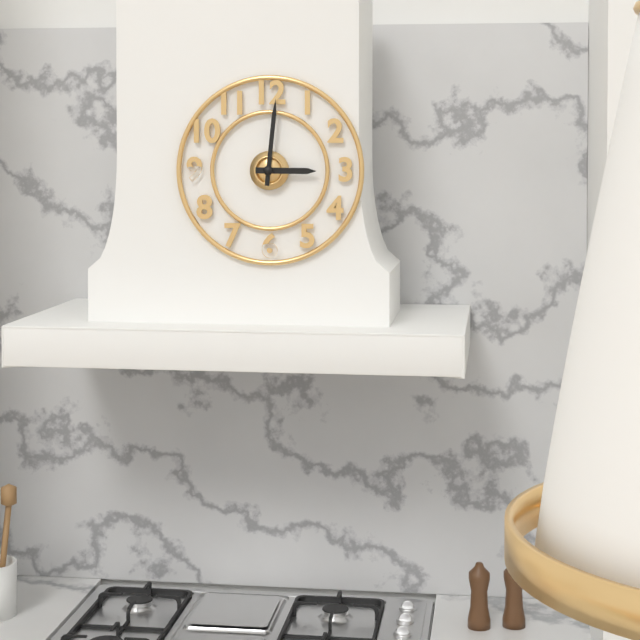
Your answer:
{"hour": 3, "minute": 1}
